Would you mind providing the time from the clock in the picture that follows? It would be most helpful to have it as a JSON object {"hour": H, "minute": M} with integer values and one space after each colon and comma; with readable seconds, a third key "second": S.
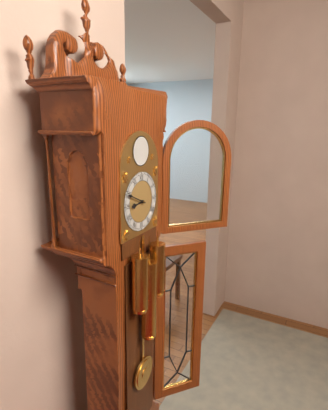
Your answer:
{"hour": 8, "minute": 49}
